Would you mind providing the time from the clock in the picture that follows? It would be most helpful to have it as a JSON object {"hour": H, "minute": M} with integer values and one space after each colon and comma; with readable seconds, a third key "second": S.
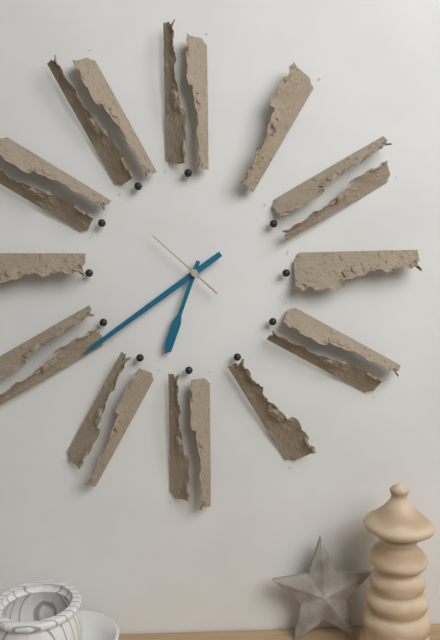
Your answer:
{"hour": 6, "minute": 39, "second": 52}
